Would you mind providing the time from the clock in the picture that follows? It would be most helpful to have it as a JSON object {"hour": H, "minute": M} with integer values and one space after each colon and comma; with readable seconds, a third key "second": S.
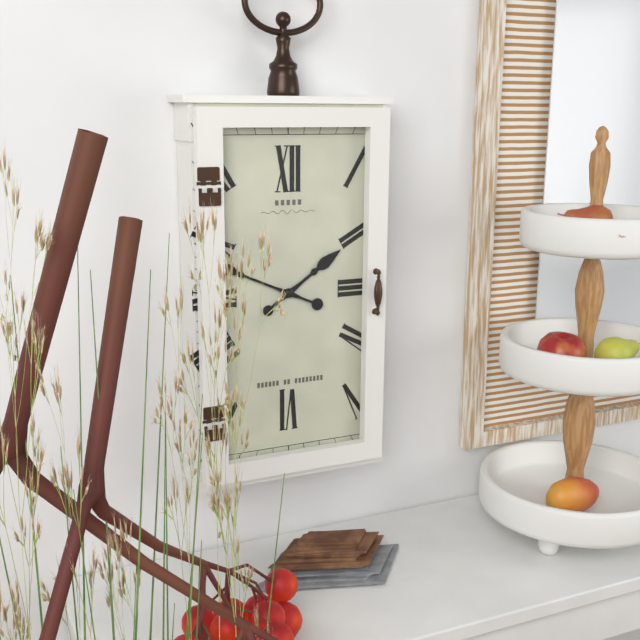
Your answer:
{"hour": 1, "minute": 49}
